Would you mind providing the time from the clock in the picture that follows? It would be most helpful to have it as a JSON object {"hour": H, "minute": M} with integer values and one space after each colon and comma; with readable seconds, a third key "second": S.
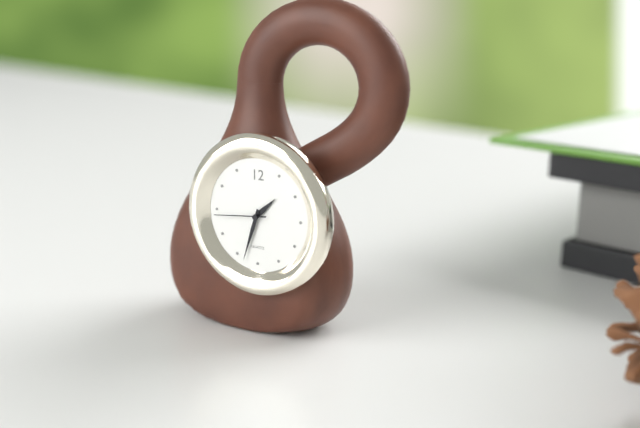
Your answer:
{"hour": 1, "minute": 33, "second": 44}
